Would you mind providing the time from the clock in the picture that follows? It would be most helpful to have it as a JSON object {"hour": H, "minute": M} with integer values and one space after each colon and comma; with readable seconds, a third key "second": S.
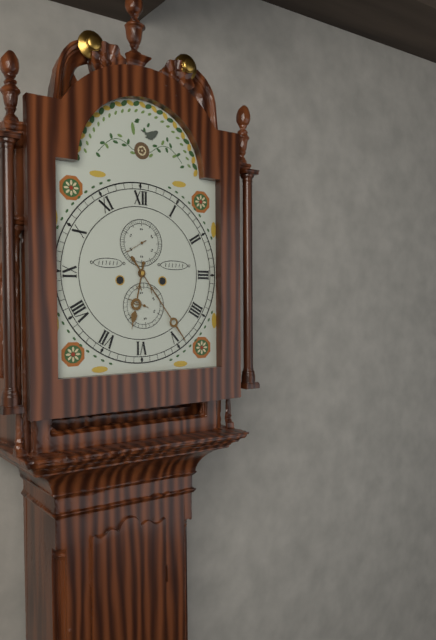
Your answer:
{"hour": 6, "minute": 24}
